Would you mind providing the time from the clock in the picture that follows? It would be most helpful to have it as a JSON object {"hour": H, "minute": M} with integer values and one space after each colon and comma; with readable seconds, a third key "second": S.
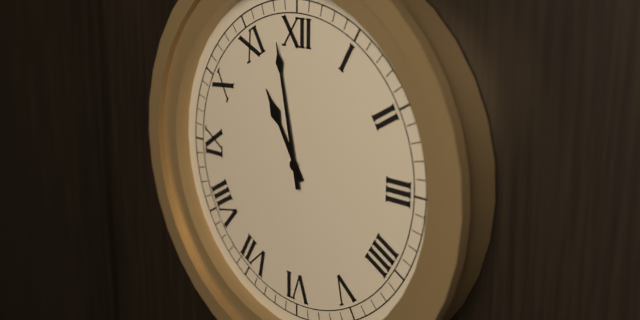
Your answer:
{"hour": 10, "minute": 58}
